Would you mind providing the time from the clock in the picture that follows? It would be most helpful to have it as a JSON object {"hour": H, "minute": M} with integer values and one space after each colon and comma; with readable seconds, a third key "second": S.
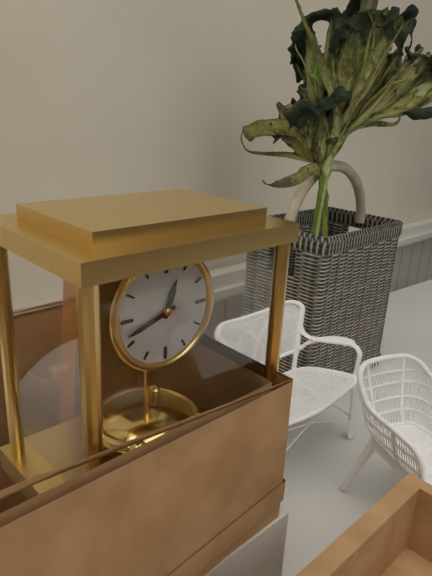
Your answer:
{"hour": 12, "minute": 42}
